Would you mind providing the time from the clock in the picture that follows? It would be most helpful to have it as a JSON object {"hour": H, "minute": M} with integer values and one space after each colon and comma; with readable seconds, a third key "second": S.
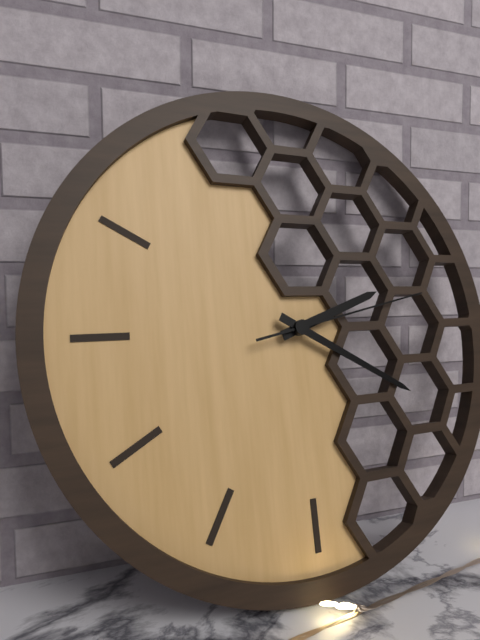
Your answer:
{"hour": 2, "minute": 20, "second": 13}
